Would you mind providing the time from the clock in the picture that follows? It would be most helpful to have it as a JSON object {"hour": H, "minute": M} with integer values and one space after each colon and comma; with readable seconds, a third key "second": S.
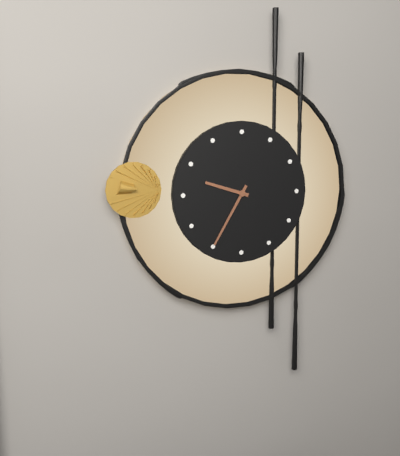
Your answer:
{"hour": 9, "minute": 35}
